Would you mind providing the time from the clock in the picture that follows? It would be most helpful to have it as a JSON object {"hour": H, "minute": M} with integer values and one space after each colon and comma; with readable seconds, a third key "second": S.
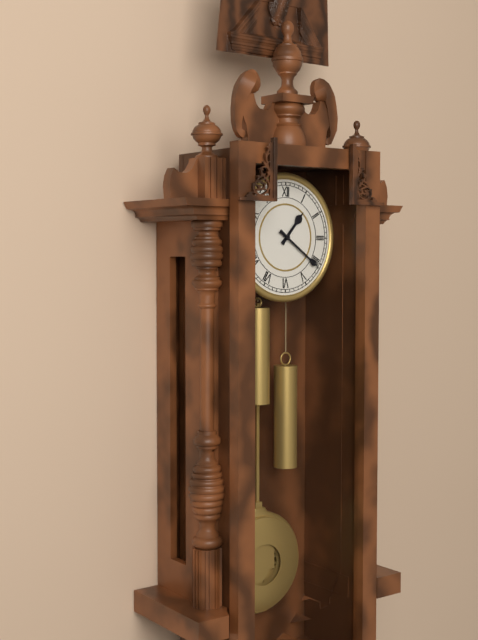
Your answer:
{"hour": 1, "minute": 21}
